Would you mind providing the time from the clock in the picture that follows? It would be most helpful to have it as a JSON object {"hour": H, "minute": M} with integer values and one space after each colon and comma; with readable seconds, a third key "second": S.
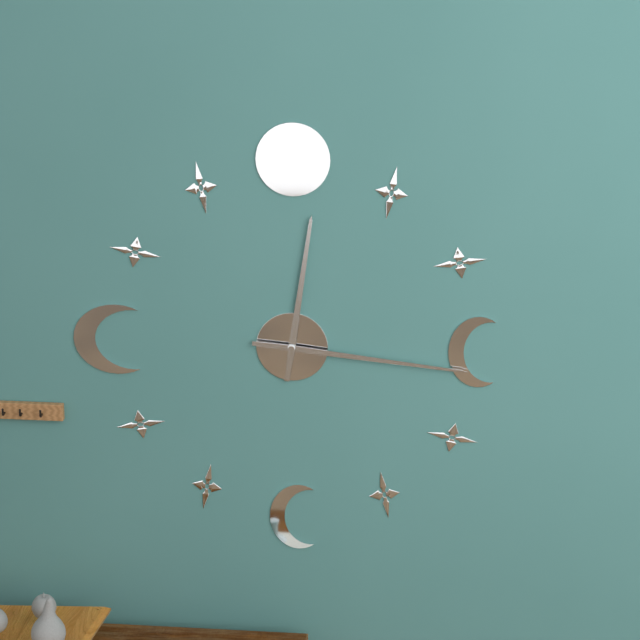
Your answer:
{"hour": 12, "minute": 16}
